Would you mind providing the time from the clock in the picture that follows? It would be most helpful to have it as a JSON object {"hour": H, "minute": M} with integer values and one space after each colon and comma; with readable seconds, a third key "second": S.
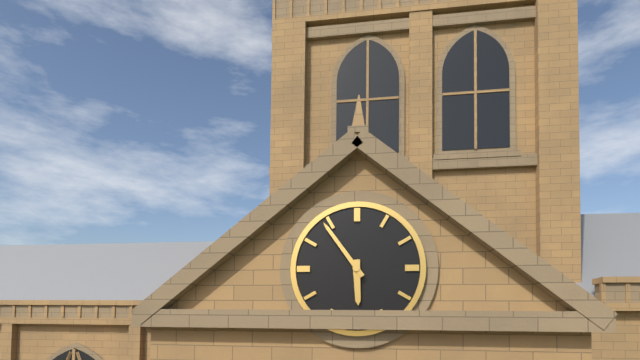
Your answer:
{"hour": 5, "minute": 54}
